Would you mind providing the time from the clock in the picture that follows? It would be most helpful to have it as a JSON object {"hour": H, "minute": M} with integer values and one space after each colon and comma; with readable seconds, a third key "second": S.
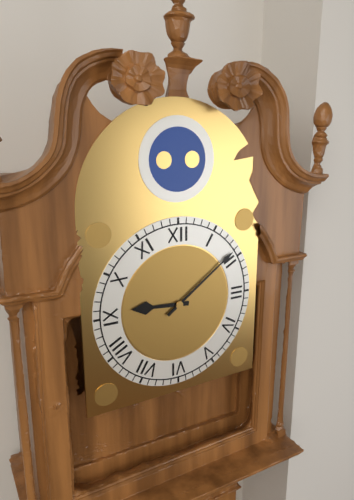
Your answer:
{"hour": 9, "minute": 9}
